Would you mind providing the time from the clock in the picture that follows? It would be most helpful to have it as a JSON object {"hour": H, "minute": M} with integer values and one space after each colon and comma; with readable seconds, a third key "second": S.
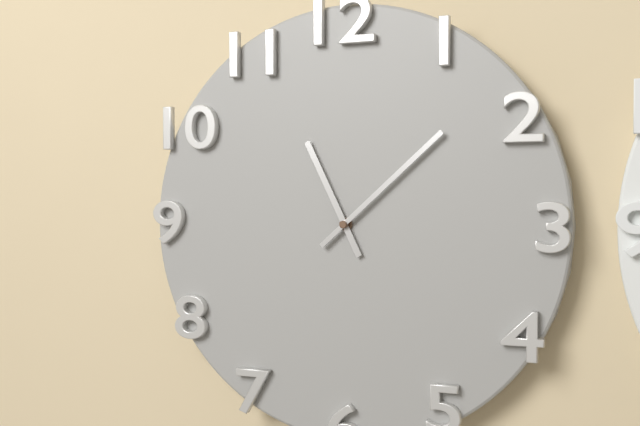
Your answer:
{"hour": 11, "minute": 8}
